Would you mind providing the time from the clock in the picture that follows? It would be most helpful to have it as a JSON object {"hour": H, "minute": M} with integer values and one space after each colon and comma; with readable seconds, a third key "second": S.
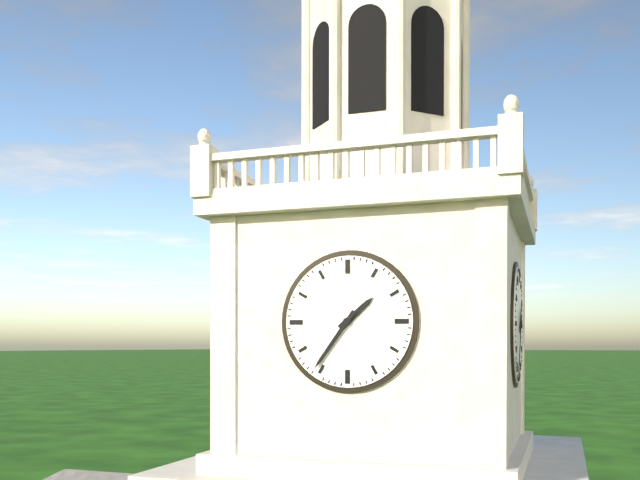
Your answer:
{"hour": 1, "minute": 36}
